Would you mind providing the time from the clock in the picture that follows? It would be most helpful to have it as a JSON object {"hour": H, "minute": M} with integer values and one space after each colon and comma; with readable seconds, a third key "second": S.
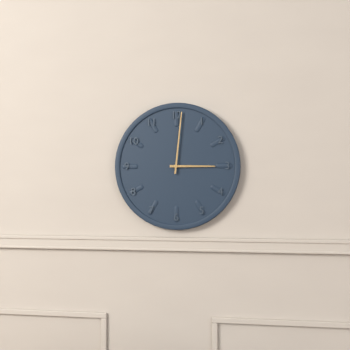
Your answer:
{"hour": 3, "minute": 1}
